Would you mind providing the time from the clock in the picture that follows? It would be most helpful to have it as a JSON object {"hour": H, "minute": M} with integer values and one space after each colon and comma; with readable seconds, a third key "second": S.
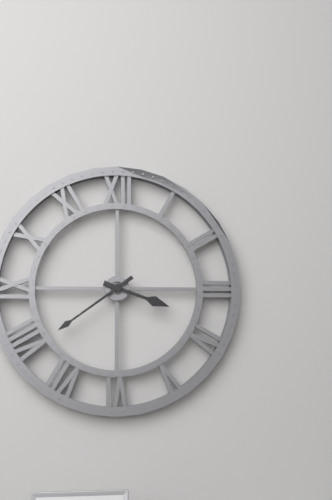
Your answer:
{"hour": 3, "minute": 39}
